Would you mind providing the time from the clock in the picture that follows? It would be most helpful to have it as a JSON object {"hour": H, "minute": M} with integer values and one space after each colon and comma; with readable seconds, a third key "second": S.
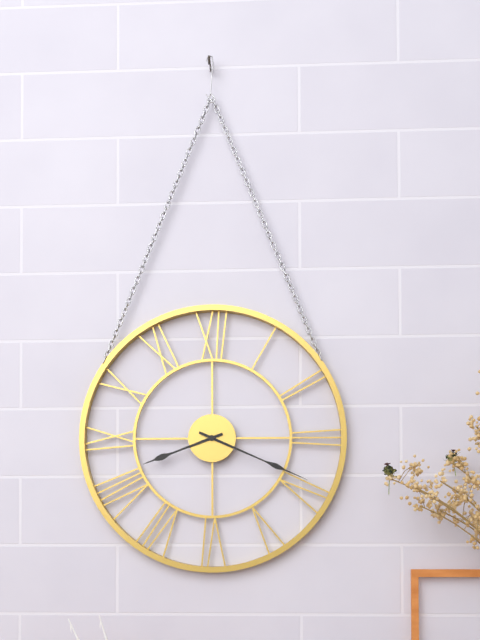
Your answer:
{"hour": 8, "minute": 19}
